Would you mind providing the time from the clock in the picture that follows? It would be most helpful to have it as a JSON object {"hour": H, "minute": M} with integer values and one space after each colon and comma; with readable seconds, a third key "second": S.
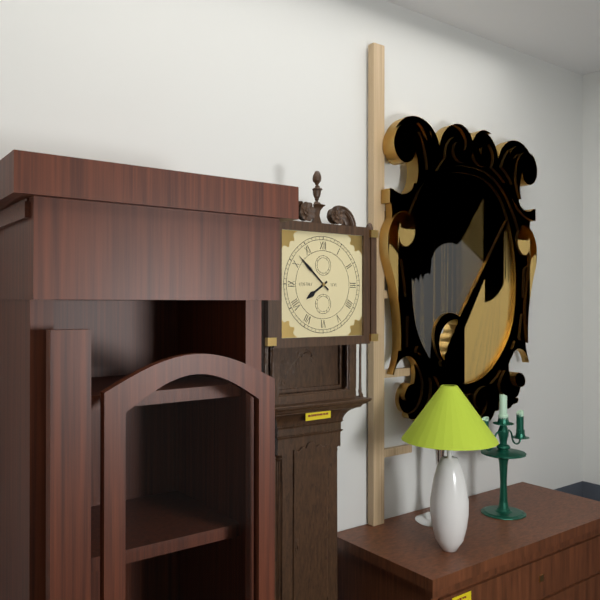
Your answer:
{"hour": 7, "minute": 52}
